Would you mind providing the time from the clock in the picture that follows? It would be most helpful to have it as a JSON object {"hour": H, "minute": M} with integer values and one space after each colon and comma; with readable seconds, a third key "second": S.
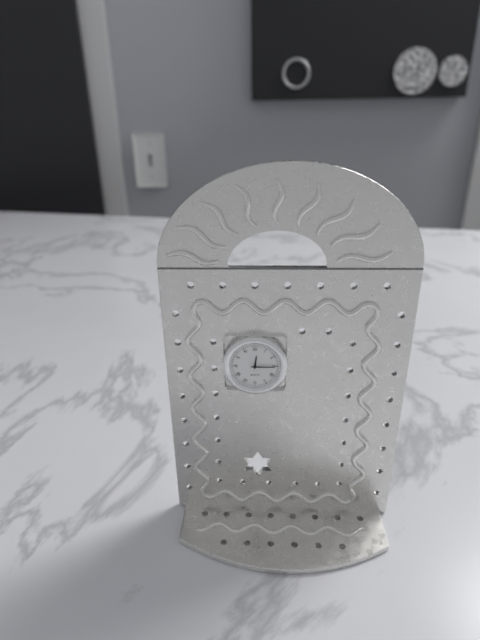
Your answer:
{"hour": 12, "minute": 15}
